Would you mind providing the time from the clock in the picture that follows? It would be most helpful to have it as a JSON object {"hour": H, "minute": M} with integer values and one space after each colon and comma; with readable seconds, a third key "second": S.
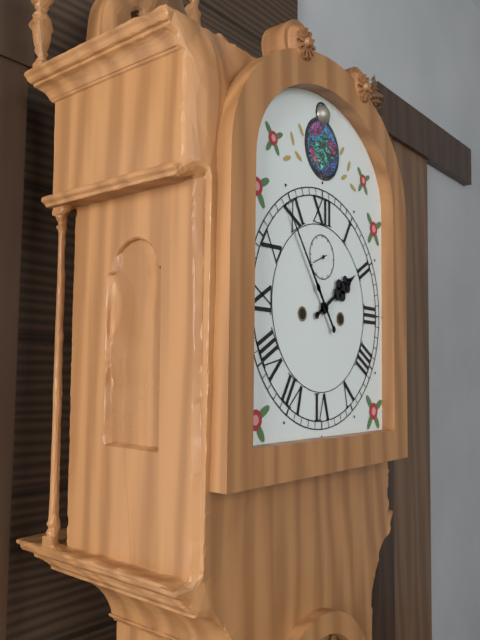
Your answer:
{"hour": 1, "minute": 54}
